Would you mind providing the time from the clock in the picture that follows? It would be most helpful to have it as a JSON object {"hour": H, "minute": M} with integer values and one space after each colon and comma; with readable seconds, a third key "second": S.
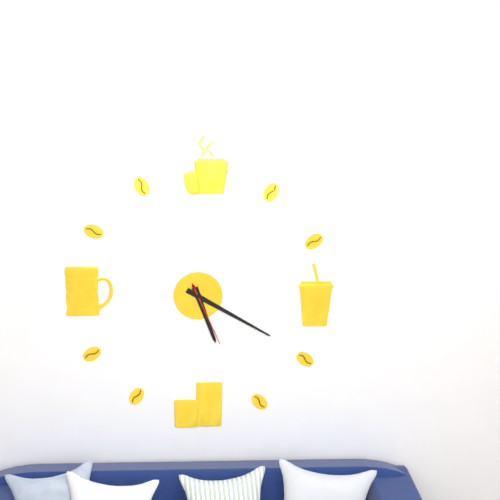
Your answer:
{"hour": 5, "minute": 20, "second": 26}
